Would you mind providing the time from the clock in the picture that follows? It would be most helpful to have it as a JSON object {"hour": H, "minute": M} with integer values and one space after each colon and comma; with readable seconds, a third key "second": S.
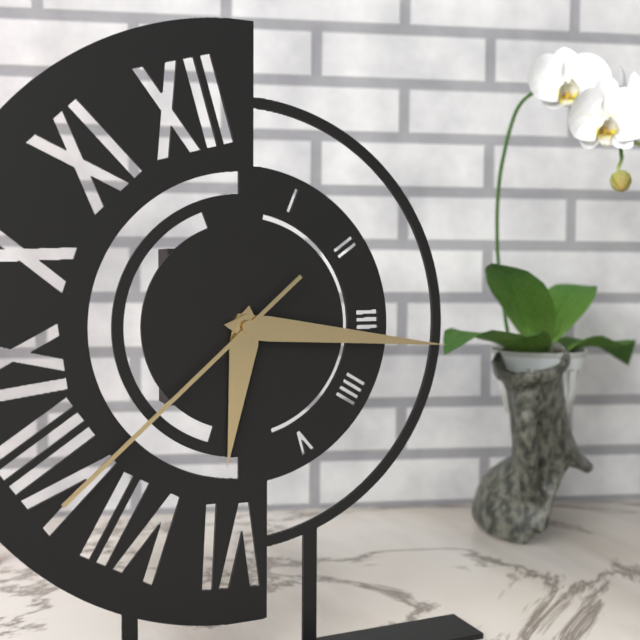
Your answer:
{"hour": 6, "minute": 16, "second": 38}
